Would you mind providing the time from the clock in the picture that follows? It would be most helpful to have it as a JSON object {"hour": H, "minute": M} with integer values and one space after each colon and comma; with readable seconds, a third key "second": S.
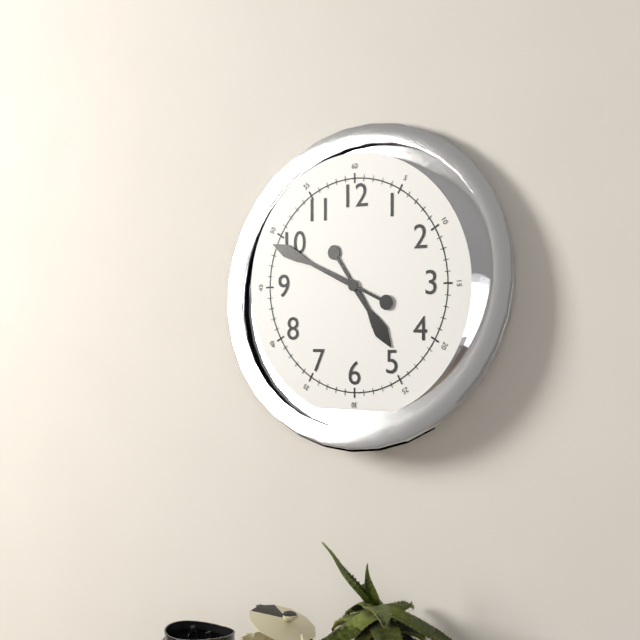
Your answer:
{"hour": 4, "minute": 49}
